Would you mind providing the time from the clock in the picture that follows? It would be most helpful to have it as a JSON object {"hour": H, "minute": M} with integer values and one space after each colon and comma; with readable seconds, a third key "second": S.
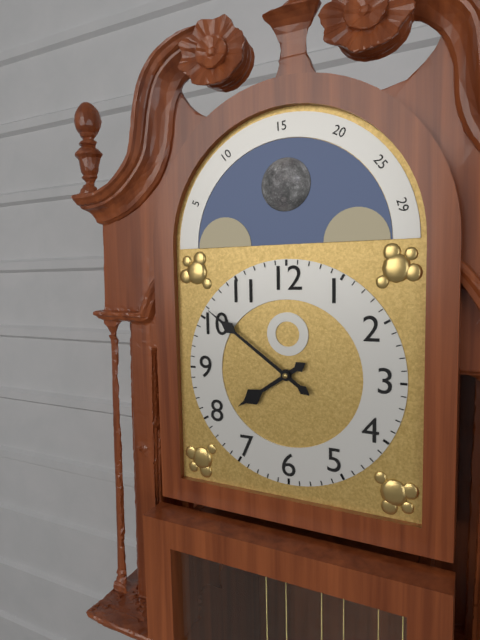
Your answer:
{"hour": 7, "minute": 51}
